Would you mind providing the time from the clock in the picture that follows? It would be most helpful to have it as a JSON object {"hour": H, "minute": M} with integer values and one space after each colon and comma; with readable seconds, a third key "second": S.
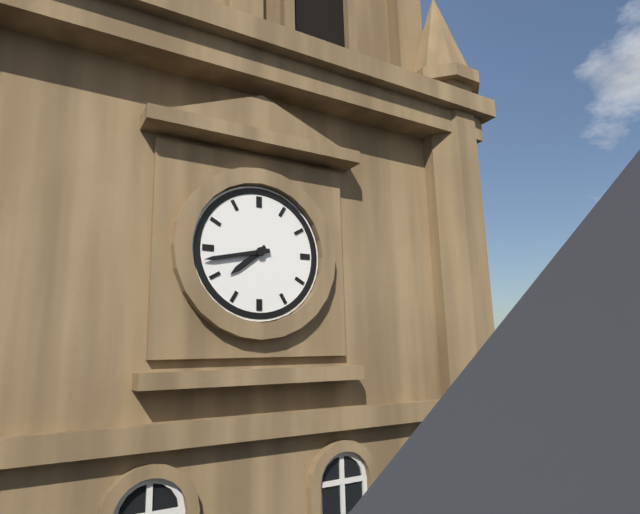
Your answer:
{"hour": 7, "minute": 43}
